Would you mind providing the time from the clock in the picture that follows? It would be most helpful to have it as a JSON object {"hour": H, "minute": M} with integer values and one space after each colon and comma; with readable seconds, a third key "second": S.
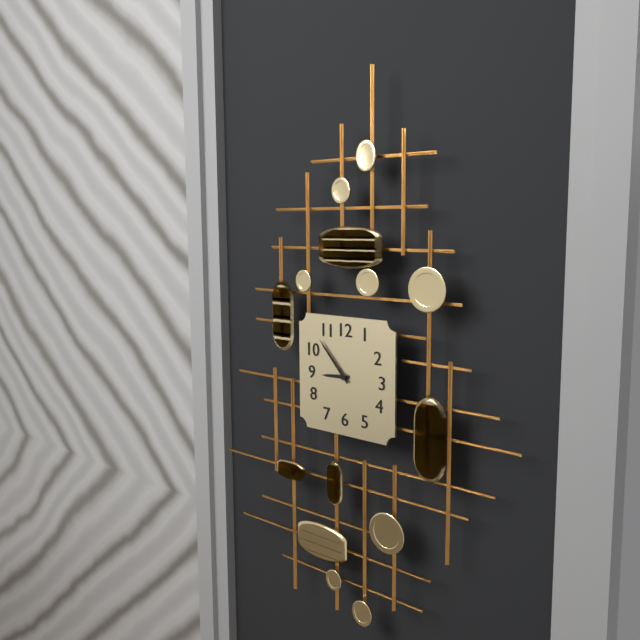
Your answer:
{"hour": 8, "minute": 53}
